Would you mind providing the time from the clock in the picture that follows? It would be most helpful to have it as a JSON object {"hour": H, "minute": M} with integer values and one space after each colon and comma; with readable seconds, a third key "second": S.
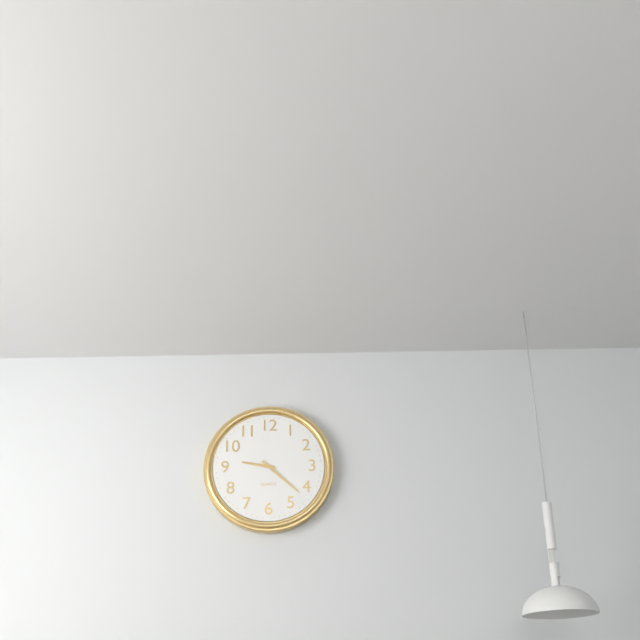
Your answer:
{"hour": 9, "minute": 22}
